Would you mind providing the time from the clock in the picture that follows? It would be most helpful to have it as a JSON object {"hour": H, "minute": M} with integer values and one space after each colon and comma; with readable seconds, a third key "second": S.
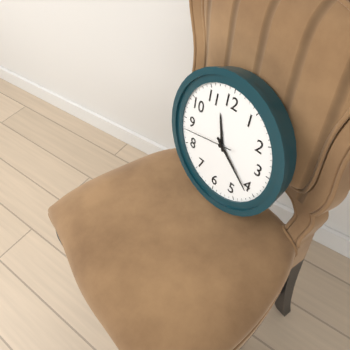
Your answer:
{"hour": 11, "minute": 21}
